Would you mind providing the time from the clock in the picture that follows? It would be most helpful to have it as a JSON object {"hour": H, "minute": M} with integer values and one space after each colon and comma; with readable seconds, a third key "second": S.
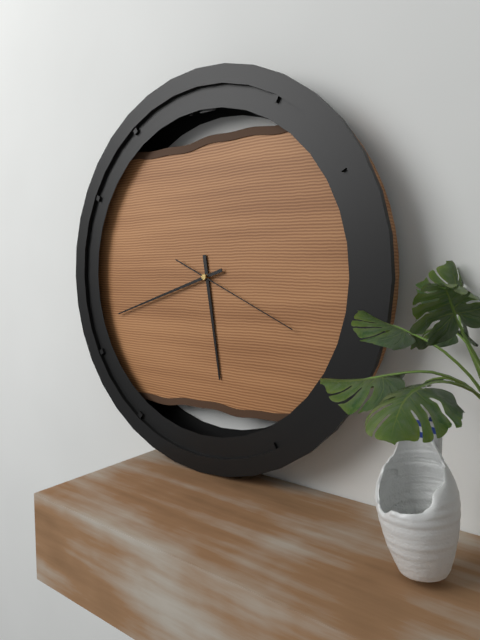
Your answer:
{"hour": 5, "minute": 42, "second": 19}
